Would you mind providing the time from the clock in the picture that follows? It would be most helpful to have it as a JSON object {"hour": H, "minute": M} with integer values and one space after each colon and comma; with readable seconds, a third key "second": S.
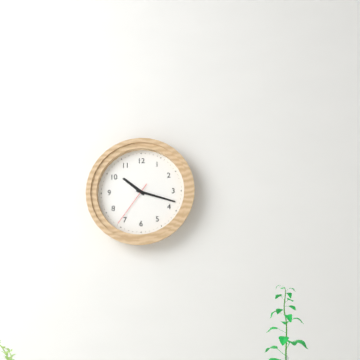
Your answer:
{"hour": 10, "minute": 18}
